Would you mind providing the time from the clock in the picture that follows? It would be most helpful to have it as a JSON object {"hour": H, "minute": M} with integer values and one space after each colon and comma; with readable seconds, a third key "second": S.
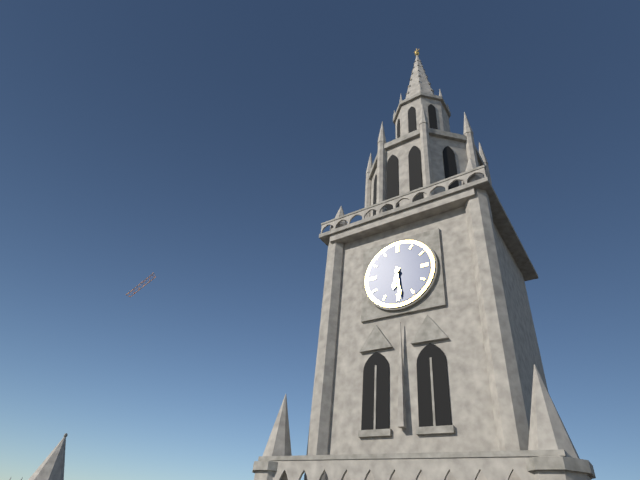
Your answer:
{"hour": 6, "minute": 29}
